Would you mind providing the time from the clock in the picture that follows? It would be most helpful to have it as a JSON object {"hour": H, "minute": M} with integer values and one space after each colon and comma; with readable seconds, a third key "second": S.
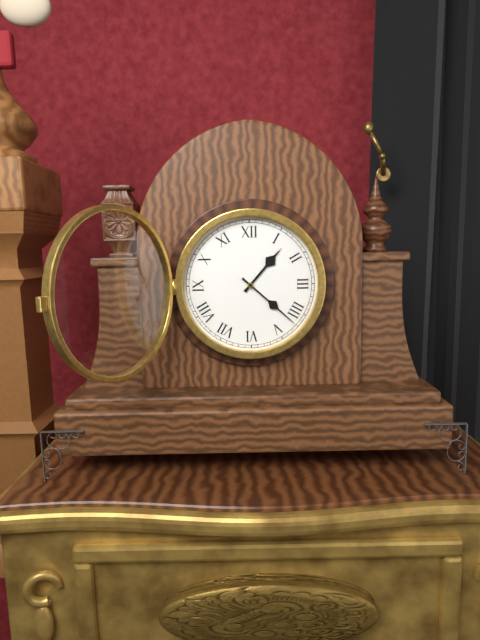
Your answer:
{"hour": 1, "minute": 22}
